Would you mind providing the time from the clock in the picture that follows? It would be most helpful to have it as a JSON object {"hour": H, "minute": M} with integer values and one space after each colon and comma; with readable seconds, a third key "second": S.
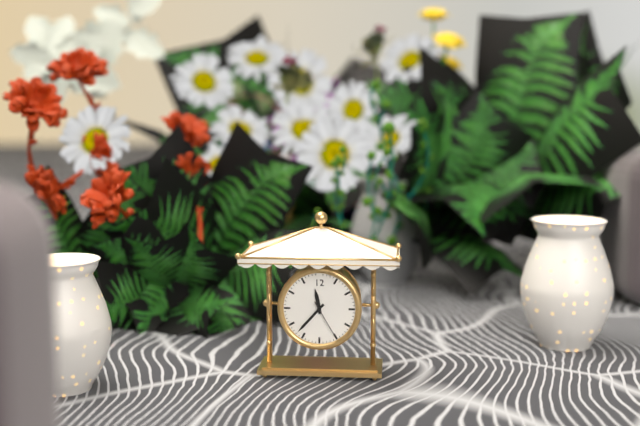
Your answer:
{"hour": 11, "minute": 37}
